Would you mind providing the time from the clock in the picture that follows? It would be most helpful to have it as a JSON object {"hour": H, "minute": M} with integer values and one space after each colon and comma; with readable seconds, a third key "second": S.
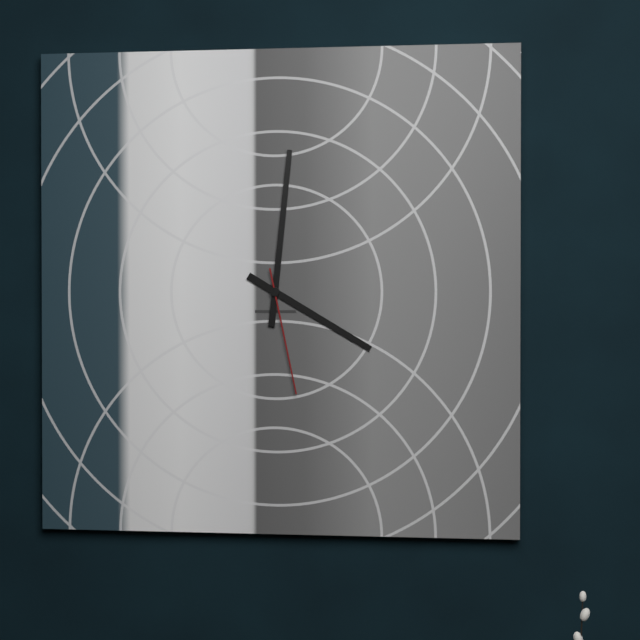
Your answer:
{"hour": 4, "minute": 1, "second": 28}
